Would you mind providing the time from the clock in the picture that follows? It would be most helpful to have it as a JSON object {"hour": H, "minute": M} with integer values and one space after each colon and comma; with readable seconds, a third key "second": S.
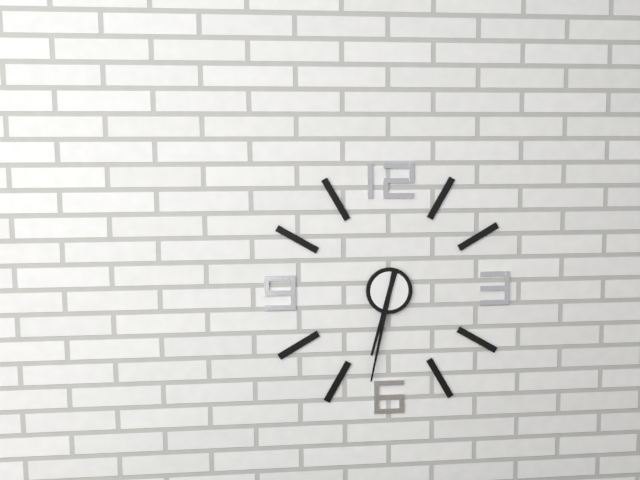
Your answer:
{"hour": 6, "minute": 32}
